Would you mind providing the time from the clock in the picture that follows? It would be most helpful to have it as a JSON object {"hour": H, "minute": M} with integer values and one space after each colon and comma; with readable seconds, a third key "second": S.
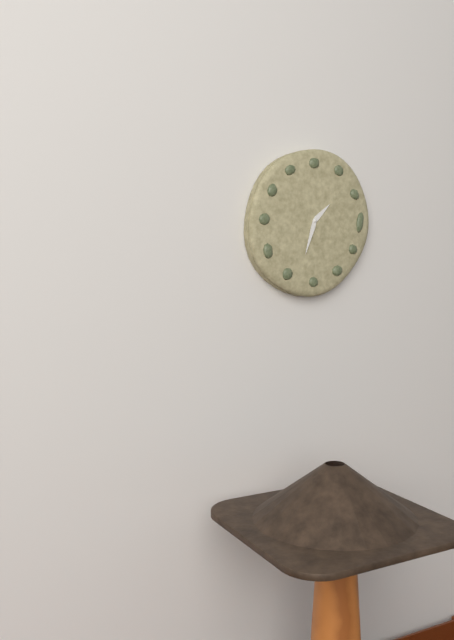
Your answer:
{"hour": 1, "minute": 33}
